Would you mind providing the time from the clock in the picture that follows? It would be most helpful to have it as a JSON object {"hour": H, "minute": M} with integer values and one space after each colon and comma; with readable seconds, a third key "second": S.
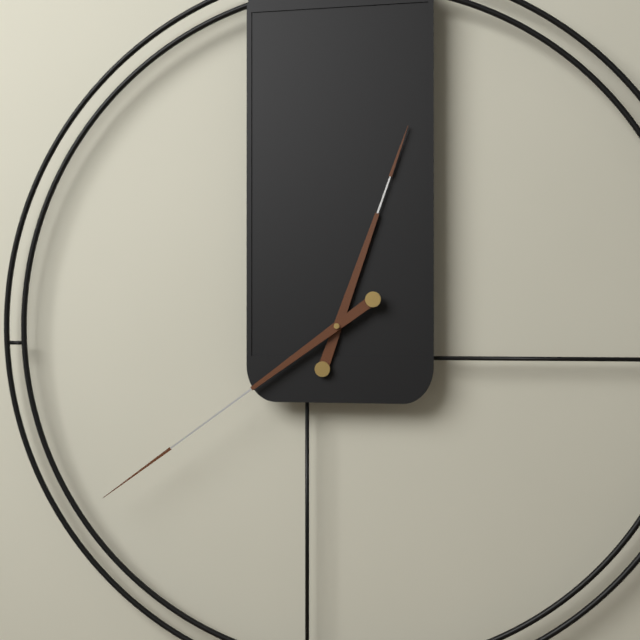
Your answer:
{"hour": 12, "minute": 39}
